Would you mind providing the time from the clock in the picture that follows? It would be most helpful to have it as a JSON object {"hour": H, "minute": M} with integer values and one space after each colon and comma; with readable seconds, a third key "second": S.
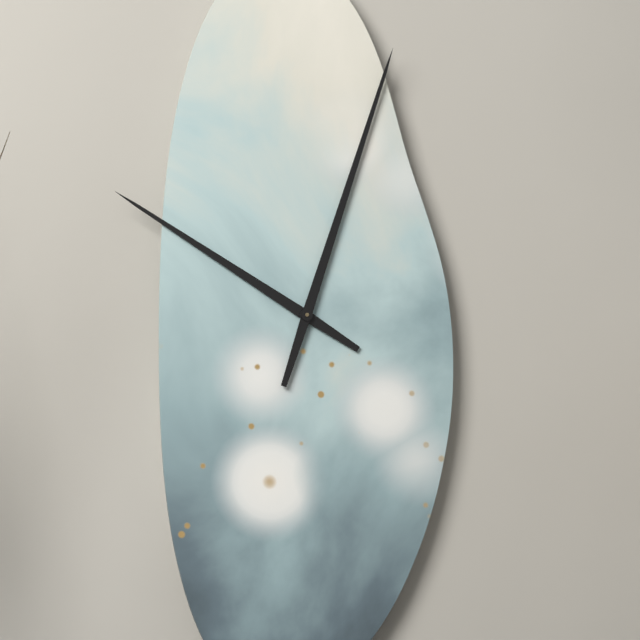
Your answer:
{"hour": 10, "minute": 3}
